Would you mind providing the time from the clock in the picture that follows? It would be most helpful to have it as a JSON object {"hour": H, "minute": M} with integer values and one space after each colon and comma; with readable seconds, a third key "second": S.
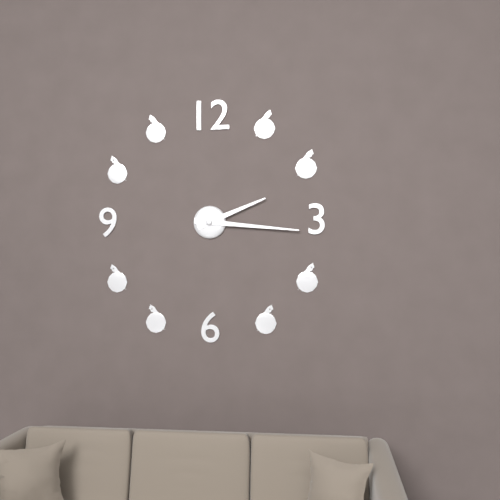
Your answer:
{"hour": 2, "minute": 16}
